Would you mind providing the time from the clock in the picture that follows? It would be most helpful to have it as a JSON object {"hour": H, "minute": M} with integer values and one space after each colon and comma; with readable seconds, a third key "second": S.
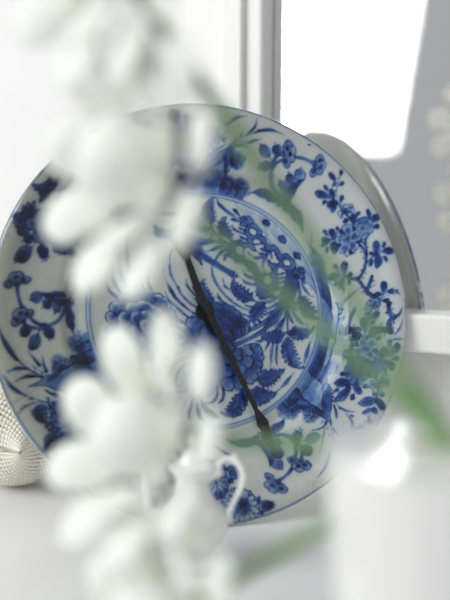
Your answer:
{"hour": 11, "minute": 26}
